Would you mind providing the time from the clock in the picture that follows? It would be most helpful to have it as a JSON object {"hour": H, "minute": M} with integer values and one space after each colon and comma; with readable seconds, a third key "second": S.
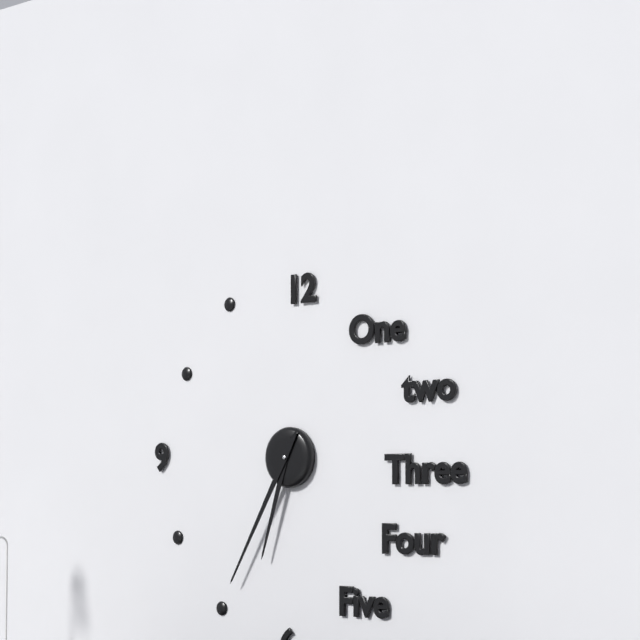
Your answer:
{"hour": 6, "minute": 35}
